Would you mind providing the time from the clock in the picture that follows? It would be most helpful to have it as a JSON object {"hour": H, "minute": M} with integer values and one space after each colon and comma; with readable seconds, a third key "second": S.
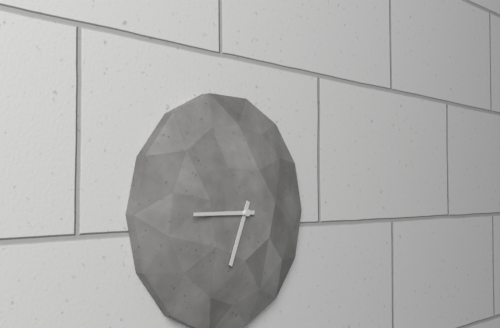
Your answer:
{"hour": 6, "minute": 45}
